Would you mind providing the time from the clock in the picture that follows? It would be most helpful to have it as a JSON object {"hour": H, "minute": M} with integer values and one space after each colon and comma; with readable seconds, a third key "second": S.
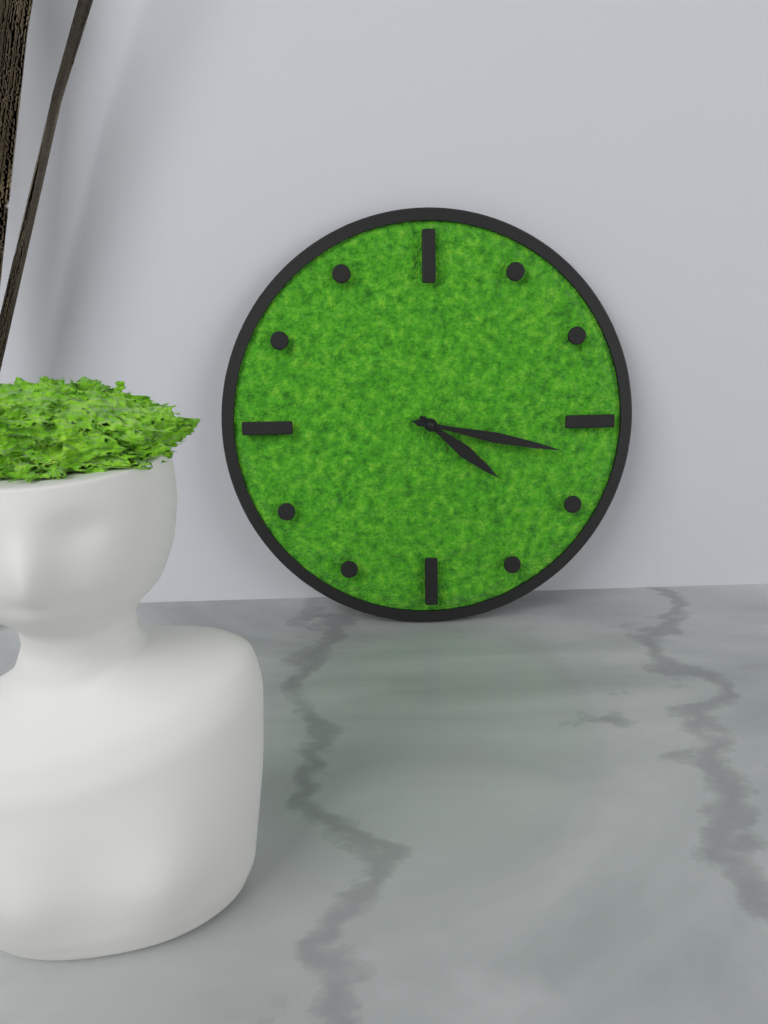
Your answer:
{"hour": 4, "minute": 17}
